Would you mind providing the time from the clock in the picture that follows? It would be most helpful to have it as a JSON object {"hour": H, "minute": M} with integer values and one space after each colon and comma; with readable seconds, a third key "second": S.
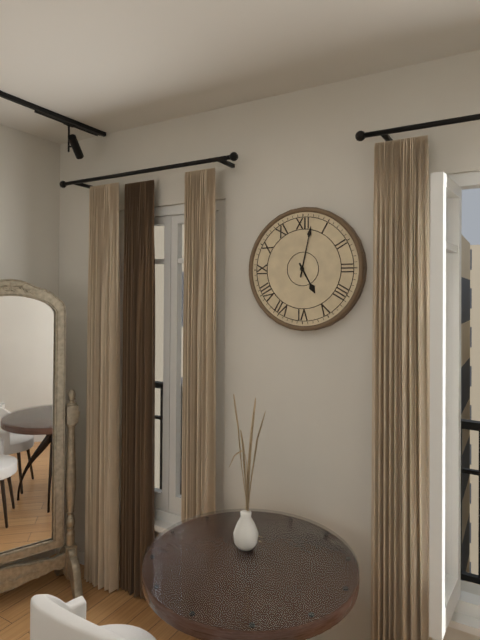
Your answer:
{"hour": 5, "minute": 2}
